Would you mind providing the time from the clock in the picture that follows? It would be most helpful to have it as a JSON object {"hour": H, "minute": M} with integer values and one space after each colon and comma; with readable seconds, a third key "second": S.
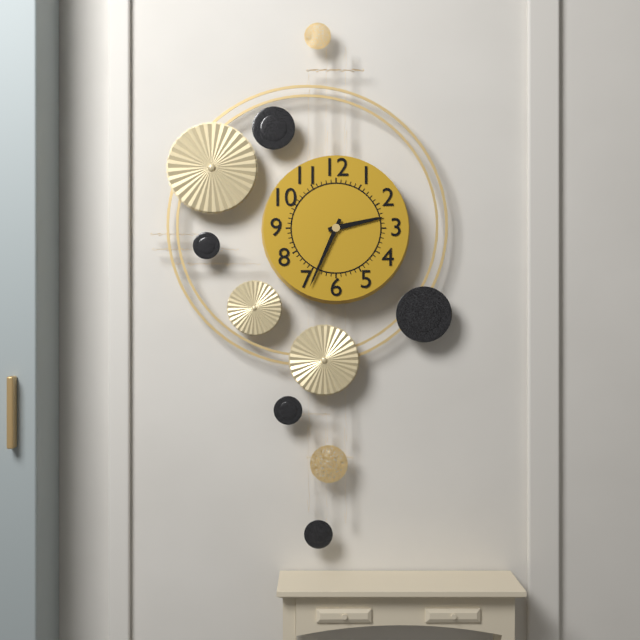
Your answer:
{"hour": 2, "minute": 34}
